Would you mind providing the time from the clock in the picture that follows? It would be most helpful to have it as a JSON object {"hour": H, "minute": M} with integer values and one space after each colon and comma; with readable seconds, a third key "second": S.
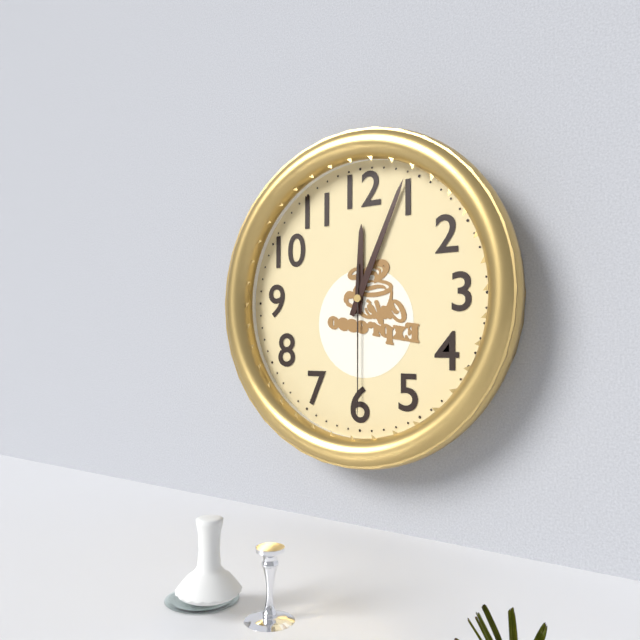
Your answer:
{"hour": 12, "minute": 4, "second": 30}
